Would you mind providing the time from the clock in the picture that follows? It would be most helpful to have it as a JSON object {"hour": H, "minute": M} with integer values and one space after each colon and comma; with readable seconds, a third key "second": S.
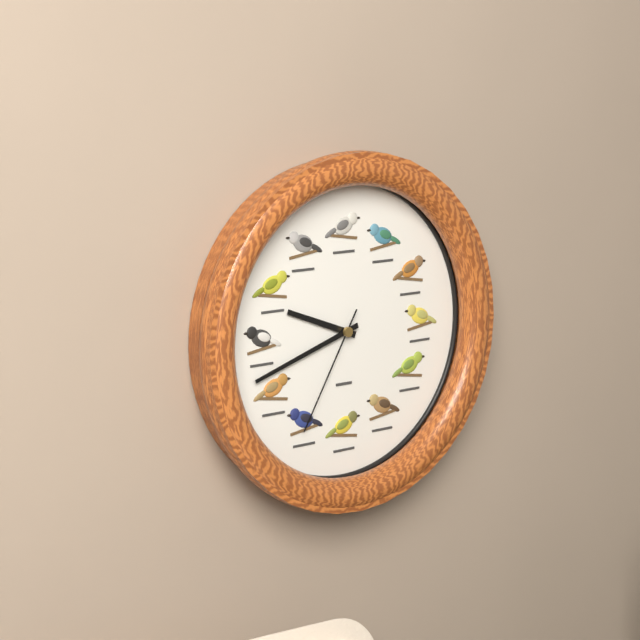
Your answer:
{"hour": 9, "minute": 42, "second": 35}
